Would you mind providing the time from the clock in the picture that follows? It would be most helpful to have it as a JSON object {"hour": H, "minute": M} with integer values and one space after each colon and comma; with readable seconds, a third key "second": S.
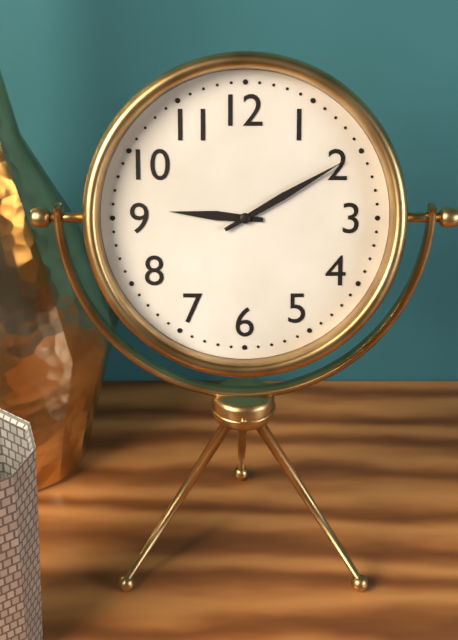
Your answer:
{"hour": 9, "minute": 10}
